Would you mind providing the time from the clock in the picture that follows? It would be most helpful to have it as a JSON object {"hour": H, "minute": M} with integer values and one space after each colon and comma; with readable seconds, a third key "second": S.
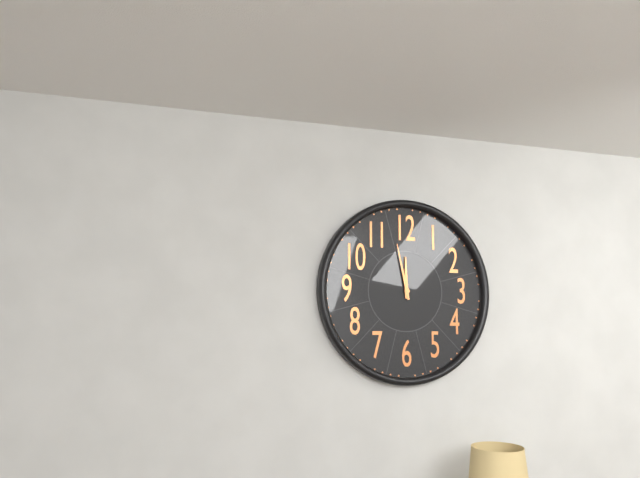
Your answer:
{"hour": 11, "minute": 58}
